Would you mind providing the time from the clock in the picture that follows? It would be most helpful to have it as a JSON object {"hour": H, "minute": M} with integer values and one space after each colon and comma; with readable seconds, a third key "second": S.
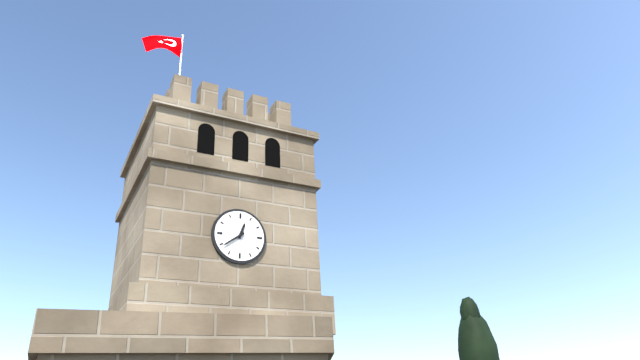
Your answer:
{"hour": 12, "minute": 39}
